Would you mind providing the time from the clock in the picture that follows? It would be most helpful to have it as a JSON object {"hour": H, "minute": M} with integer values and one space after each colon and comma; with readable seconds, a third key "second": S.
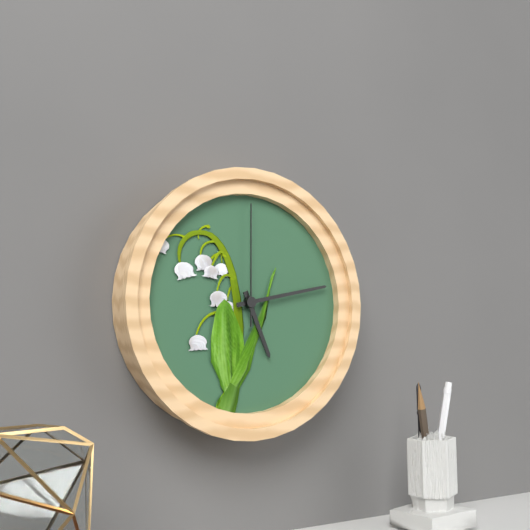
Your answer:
{"hour": 5, "minute": 13, "second": 0}
